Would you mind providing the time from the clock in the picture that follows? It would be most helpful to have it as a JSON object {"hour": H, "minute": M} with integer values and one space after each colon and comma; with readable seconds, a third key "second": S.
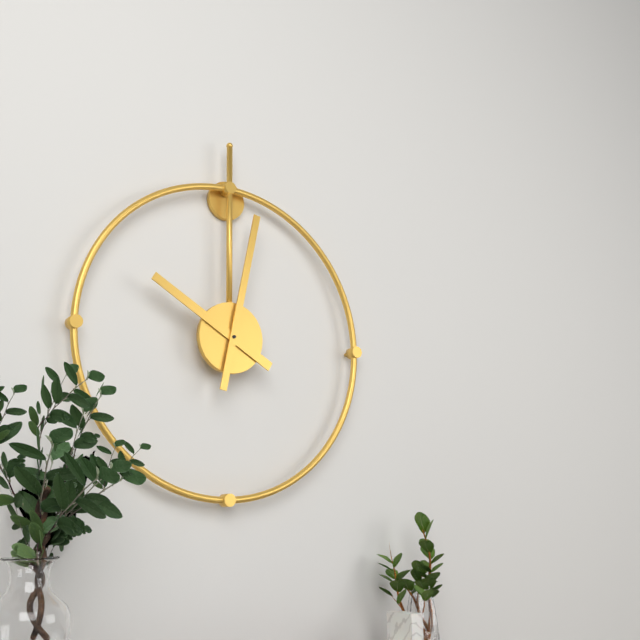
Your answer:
{"hour": 10, "minute": 2}
